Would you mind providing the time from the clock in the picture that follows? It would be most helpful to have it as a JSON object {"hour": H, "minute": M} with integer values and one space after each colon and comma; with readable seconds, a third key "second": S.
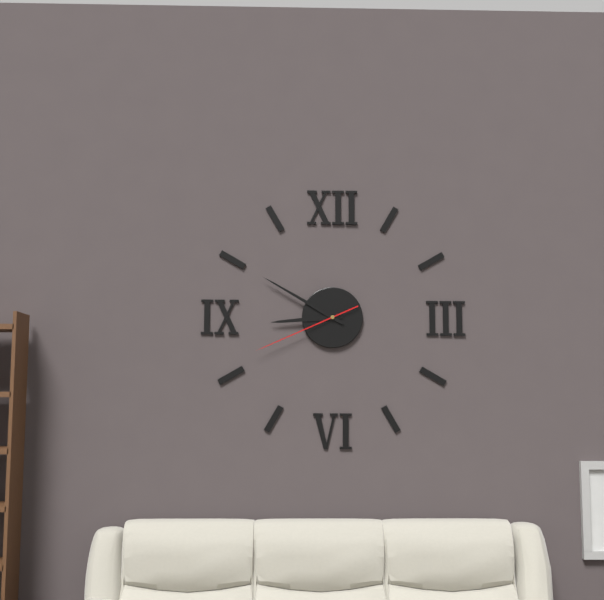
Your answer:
{"hour": 8, "minute": 50, "second": 41}
